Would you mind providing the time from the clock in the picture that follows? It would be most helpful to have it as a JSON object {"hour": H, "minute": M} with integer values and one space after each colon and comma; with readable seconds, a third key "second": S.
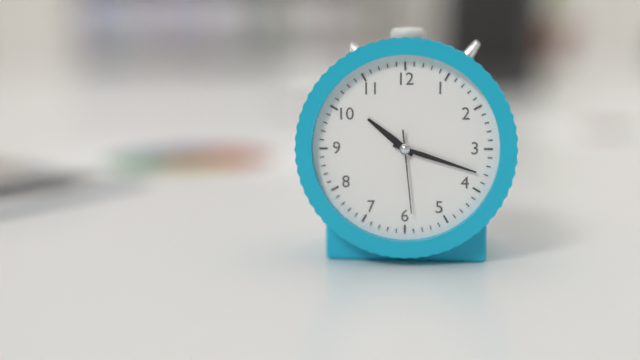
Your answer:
{"hour": 10, "minute": 18, "second": 29}
